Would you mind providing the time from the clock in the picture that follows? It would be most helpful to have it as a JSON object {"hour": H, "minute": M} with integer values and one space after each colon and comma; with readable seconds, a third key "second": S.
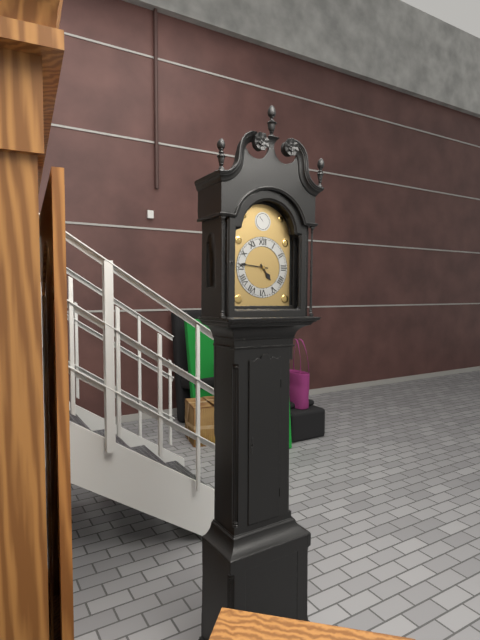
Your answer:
{"hour": 4, "minute": 46}
